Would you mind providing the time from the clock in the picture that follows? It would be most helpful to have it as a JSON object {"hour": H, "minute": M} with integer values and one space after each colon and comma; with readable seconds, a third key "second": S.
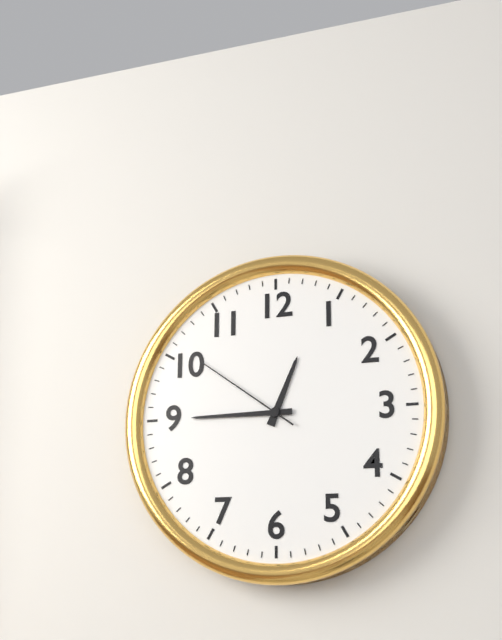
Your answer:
{"hour": 12, "minute": 45, "second": 51}
